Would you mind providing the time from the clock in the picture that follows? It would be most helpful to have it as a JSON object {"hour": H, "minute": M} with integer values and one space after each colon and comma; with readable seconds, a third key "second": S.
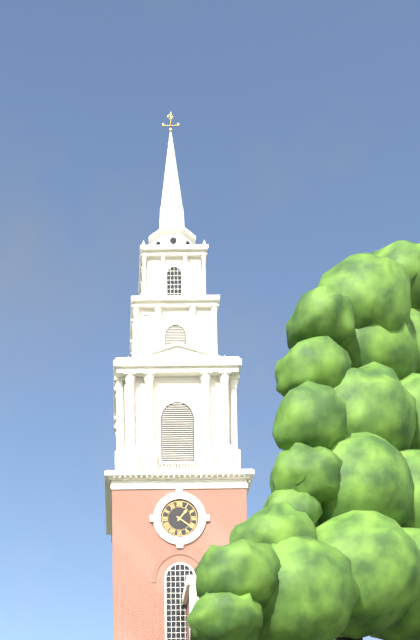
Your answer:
{"hour": 1, "minute": 21}
